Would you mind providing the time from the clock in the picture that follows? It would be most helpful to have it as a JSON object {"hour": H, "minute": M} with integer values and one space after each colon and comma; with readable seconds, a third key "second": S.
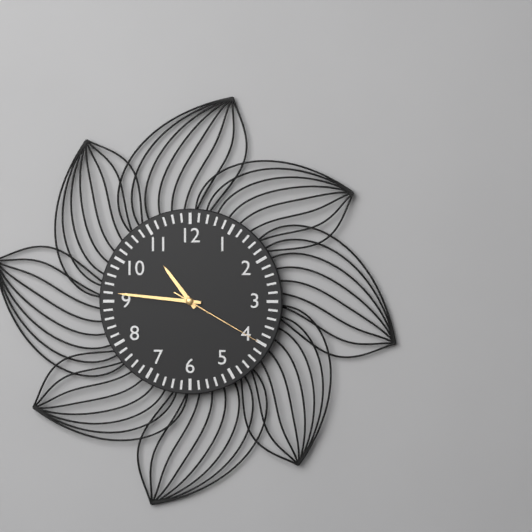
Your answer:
{"hour": 10, "minute": 46, "second": 20}
